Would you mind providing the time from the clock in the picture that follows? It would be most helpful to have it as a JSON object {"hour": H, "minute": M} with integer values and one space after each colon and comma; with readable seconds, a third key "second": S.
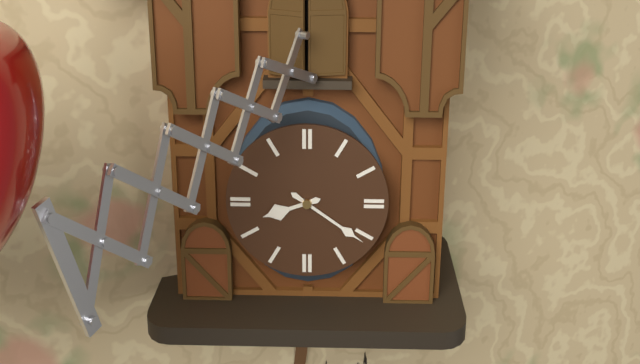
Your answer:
{"hour": 8, "minute": 21}
